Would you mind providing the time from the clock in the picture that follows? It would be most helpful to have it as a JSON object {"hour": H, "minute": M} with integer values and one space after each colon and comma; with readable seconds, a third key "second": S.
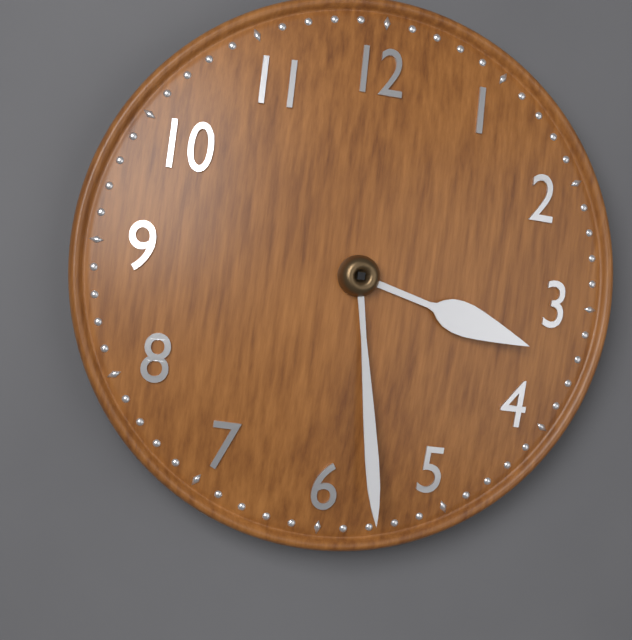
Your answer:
{"hour": 3, "minute": 28}
